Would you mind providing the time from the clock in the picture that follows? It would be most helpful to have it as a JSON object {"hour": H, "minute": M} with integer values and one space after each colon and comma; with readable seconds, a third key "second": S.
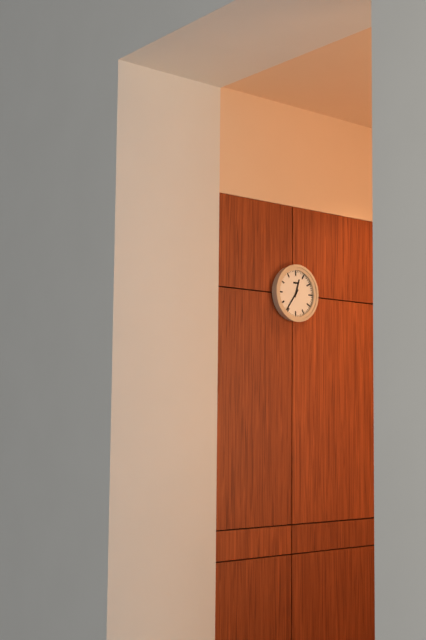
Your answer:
{"hour": 12, "minute": 36}
